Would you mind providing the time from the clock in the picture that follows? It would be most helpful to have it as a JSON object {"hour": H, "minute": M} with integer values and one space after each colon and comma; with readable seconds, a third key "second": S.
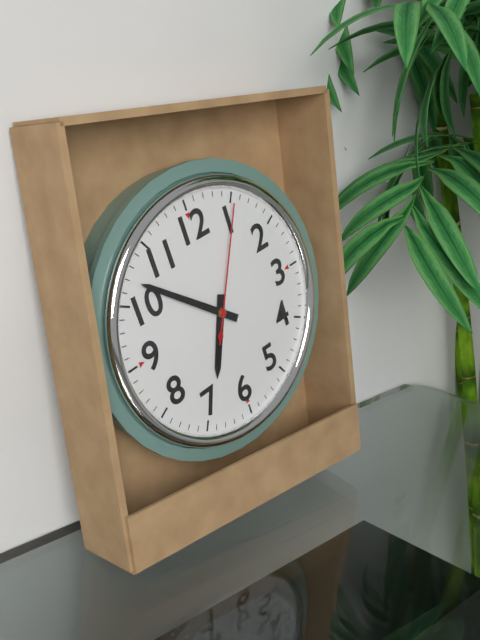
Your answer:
{"hour": 6, "minute": 52, "second": 5}
